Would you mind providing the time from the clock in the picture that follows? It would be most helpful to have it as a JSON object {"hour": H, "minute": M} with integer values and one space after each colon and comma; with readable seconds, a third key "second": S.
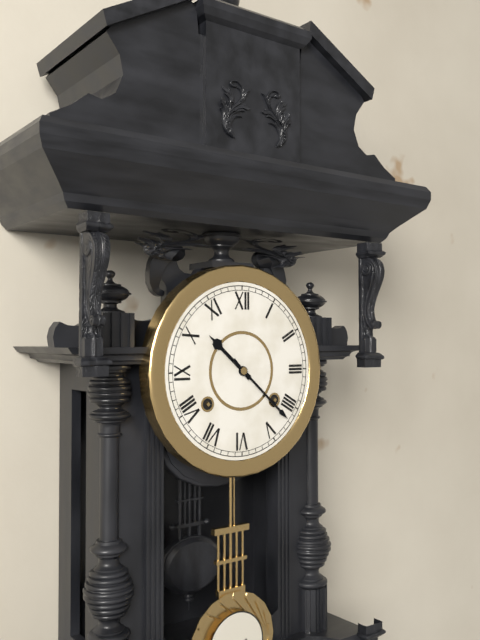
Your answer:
{"hour": 10, "minute": 22}
